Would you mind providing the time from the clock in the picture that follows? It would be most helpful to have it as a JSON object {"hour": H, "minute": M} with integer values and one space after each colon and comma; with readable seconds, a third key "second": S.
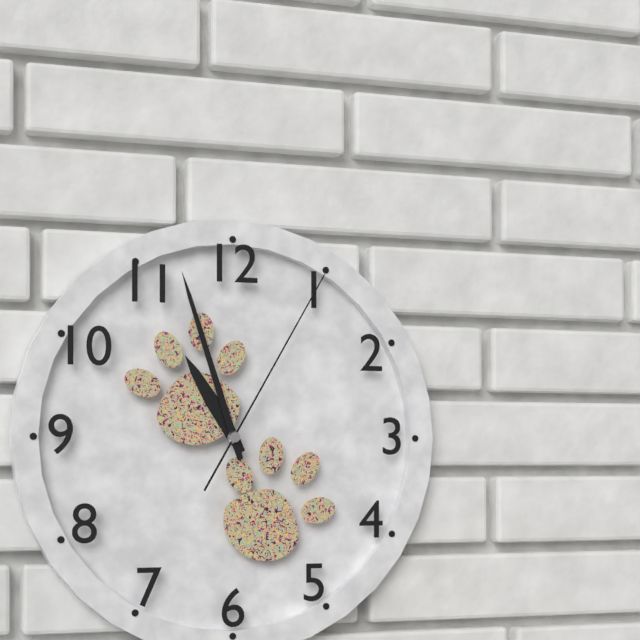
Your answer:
{"hour": 10, "minute": 57, "second": 5}
